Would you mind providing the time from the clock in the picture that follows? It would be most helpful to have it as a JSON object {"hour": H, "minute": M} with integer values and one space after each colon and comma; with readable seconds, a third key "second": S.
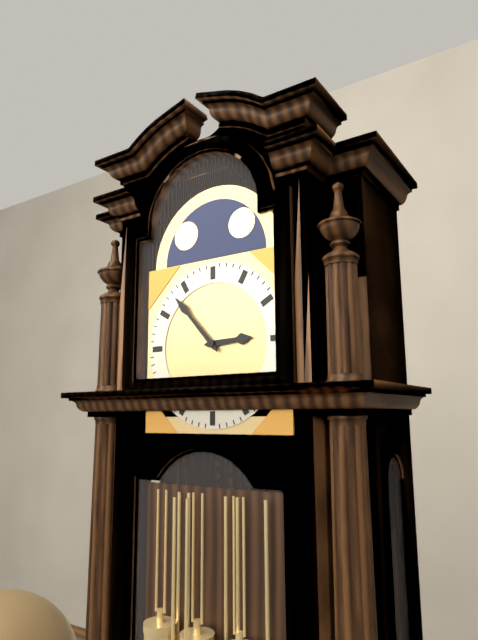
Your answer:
{"hour": 2, "minute": 53}
